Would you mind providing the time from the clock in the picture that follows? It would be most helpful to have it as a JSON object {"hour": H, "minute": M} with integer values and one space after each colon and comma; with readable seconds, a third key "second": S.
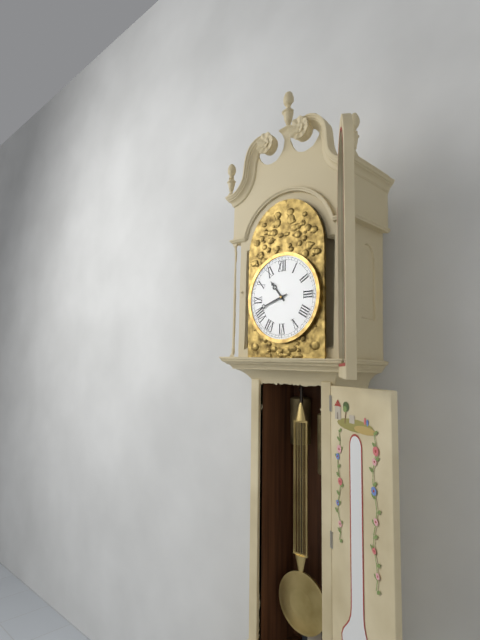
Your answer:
{"hour": 10, "minute": 42}
